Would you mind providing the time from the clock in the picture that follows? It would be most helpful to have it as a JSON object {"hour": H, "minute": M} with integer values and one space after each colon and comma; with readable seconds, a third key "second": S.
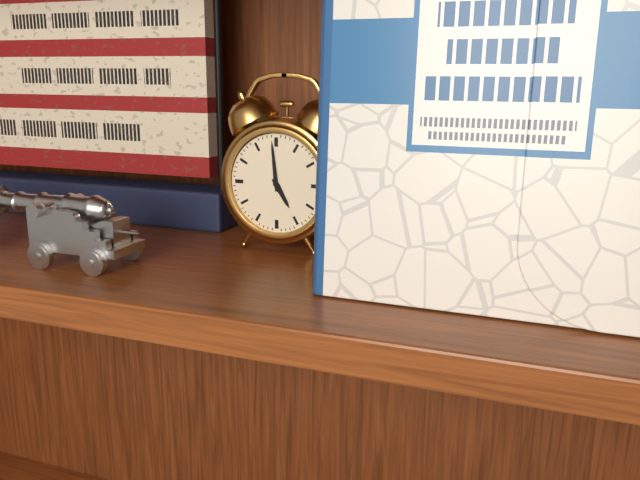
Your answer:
{"hour": 4, "minute": 59}
